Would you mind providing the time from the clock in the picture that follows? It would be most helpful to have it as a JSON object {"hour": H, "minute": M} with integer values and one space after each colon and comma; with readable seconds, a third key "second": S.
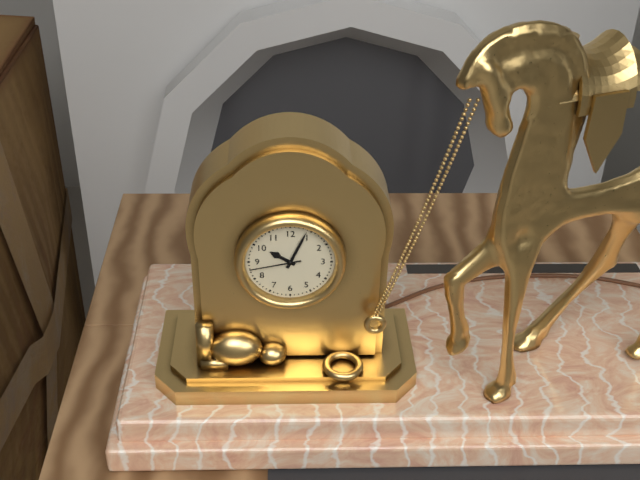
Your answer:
{"hour": 10, "minute": 4, "second": 43}
